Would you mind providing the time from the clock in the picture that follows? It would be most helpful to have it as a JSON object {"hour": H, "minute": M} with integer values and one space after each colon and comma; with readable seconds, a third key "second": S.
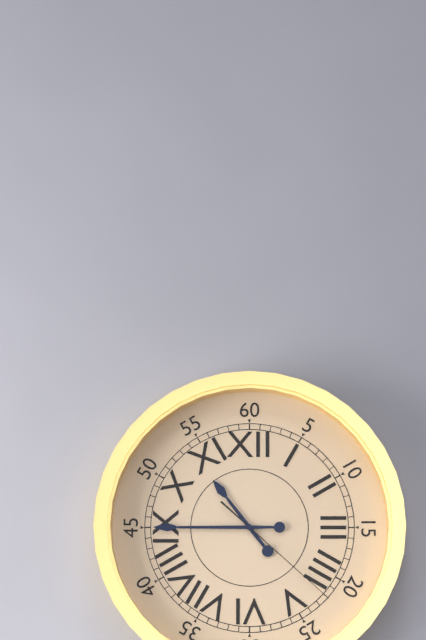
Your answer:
{"hour": 10, "minute": 45, "second": 22}
